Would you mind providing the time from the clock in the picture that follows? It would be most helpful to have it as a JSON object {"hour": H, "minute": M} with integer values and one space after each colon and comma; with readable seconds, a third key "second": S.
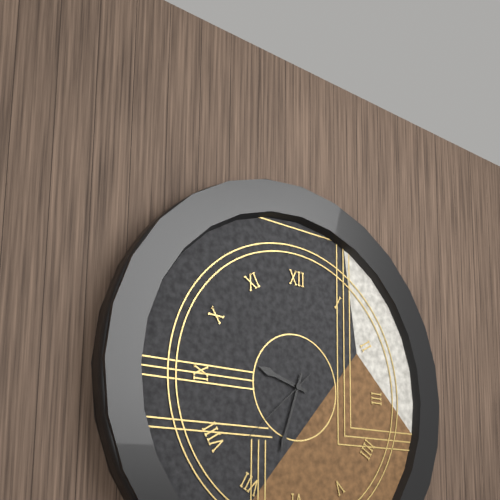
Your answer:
{"hour": 9, "minute": 33, "second": 38}
